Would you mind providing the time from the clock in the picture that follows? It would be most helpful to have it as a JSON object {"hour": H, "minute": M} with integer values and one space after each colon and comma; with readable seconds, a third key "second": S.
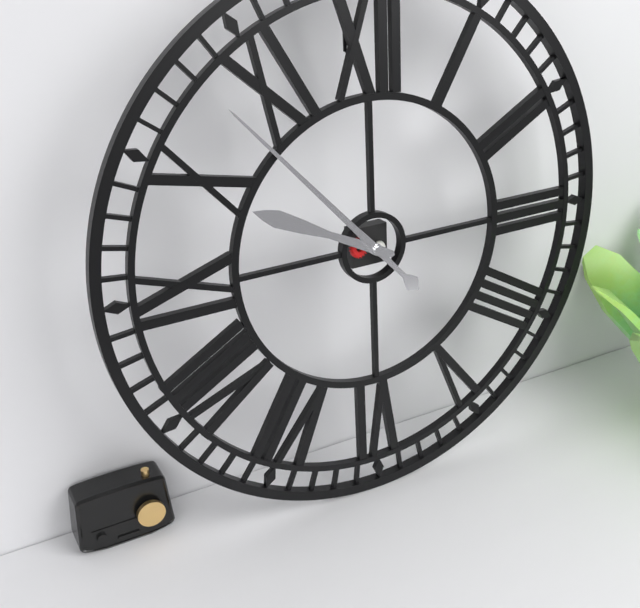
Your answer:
{"hour": 9, "minute": 53}
